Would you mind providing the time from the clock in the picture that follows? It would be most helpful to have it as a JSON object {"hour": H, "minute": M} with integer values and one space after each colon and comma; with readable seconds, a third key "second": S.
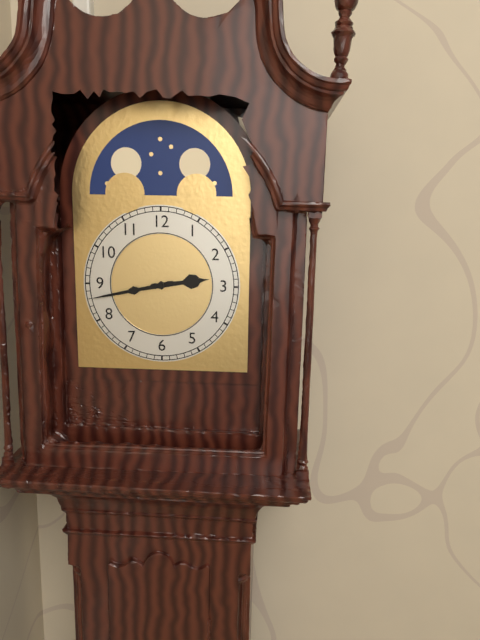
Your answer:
{"hour": 2, "minute": 43}
